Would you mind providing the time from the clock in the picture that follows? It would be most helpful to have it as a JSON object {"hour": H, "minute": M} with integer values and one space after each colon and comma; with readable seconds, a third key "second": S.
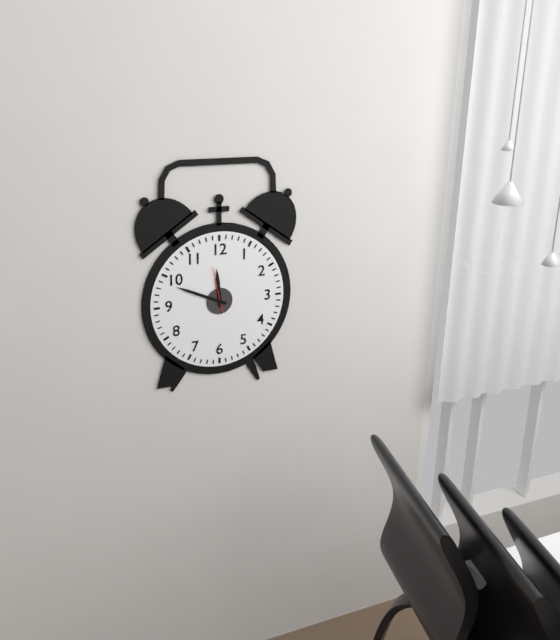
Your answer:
{"hour": 11, "minute": 49}
